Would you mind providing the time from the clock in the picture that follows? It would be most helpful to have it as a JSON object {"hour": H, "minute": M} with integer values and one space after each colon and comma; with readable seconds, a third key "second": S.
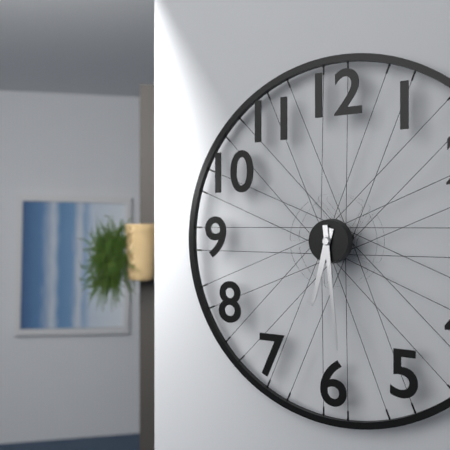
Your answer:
{"hour": 6, "minute": 29}
